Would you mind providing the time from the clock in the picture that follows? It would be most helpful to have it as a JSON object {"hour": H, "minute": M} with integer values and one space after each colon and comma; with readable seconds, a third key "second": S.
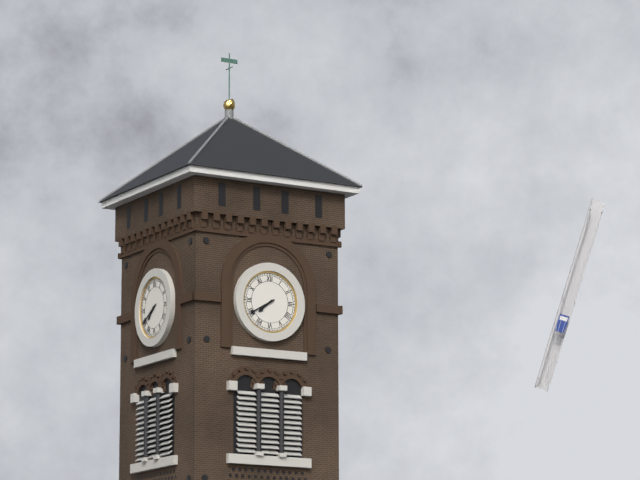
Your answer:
{"hour": 7, "minute": 40}
